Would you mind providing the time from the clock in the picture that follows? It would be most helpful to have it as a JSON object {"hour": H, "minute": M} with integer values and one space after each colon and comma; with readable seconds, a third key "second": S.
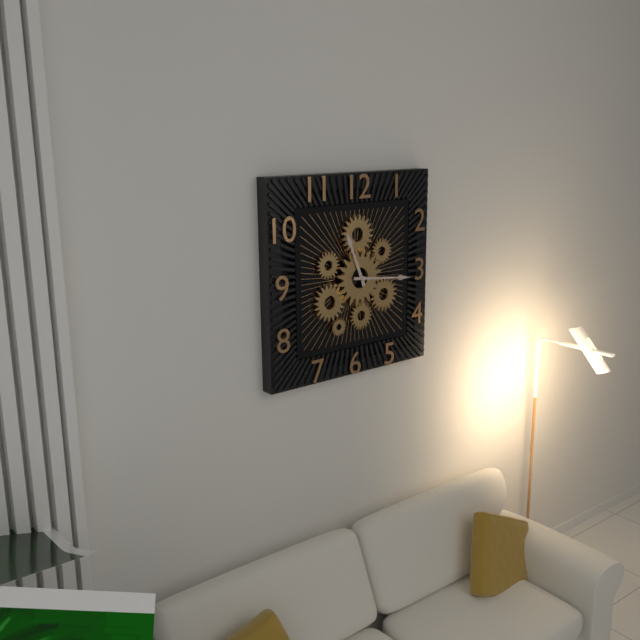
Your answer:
{"hour": 11, "minute": 16}
